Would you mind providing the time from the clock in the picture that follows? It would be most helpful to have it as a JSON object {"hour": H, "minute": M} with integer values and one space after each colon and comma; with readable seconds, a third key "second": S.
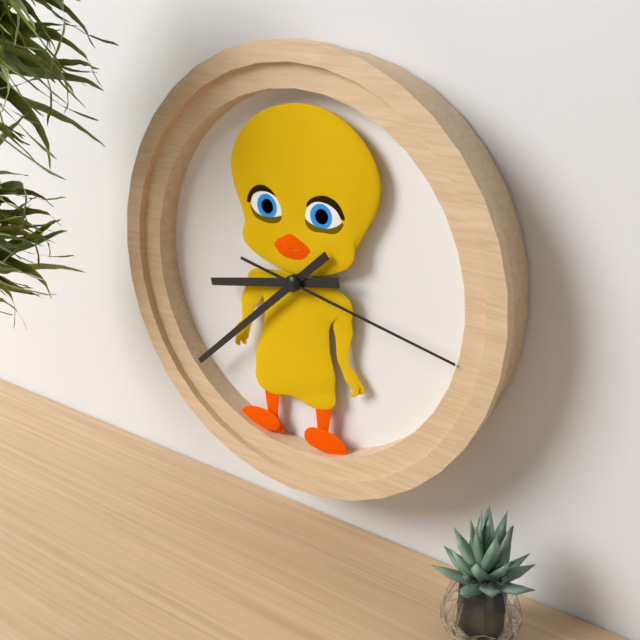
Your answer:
{"hour": 8, "minute": 38, "second": 17}
